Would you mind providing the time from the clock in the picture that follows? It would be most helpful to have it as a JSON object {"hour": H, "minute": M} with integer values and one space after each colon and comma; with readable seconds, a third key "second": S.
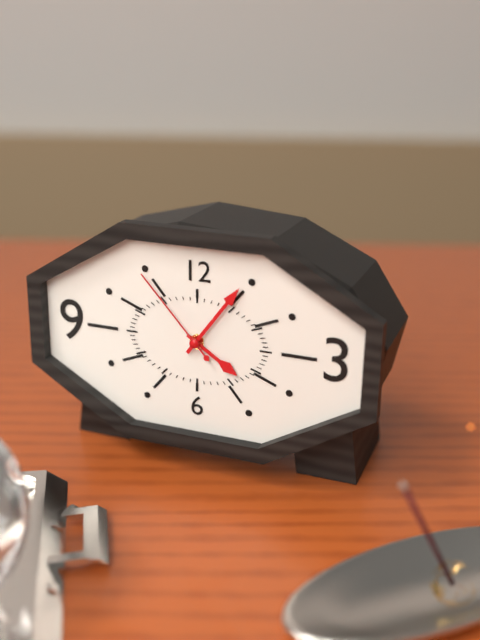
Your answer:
{"hour": 4, "minute": 6, "second": 53}
